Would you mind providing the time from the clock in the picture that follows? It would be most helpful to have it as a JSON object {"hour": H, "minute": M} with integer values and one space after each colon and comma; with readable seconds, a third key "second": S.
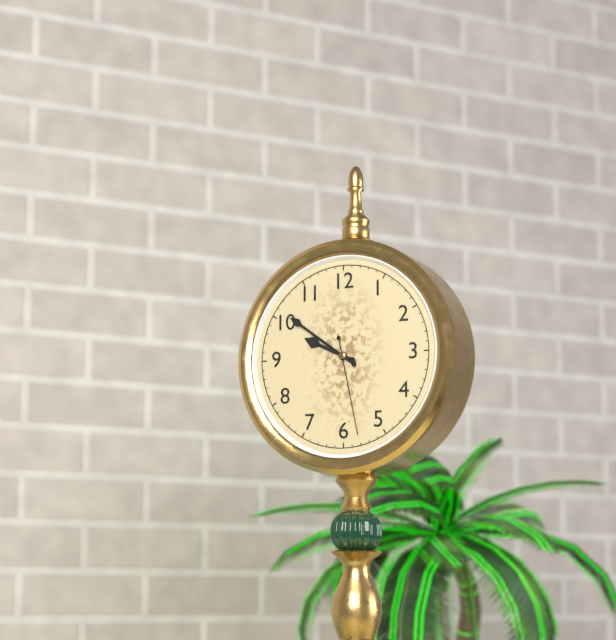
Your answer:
{"hour": 9, "minute": 51, "second": 28}
